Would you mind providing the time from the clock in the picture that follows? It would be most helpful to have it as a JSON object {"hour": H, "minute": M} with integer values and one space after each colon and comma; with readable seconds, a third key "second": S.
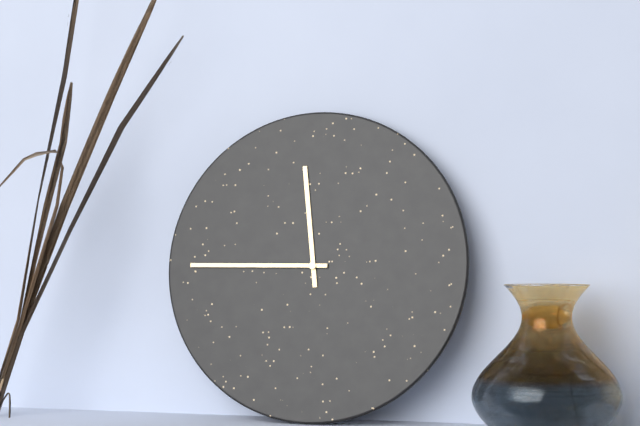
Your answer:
{"hour": 11, "minute": 45}
